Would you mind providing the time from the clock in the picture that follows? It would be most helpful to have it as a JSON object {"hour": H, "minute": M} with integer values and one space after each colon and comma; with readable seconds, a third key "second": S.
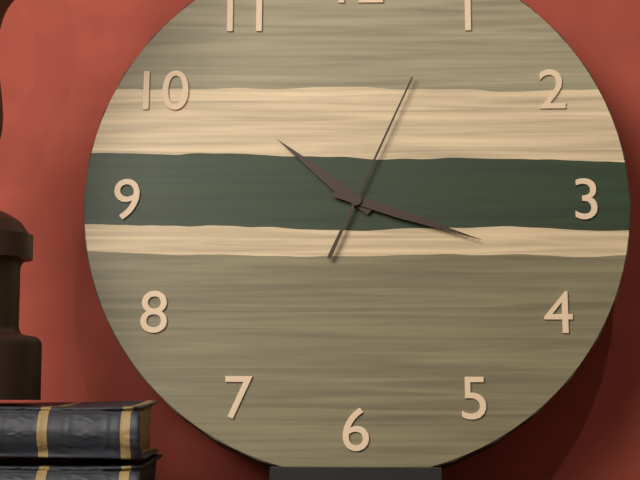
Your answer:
{"hour": 10, "minute": 18, "second": 4}
